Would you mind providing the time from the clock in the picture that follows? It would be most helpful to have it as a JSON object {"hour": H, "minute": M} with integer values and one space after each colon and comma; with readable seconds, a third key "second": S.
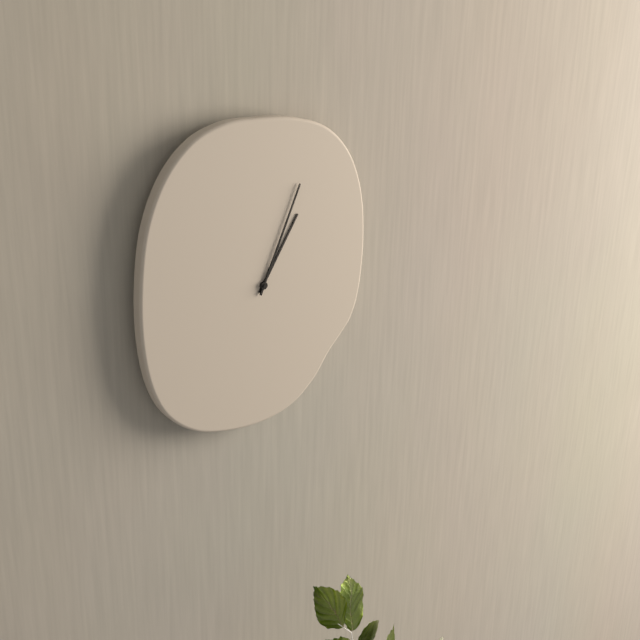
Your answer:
{"hour": 1, "minute": 4}
